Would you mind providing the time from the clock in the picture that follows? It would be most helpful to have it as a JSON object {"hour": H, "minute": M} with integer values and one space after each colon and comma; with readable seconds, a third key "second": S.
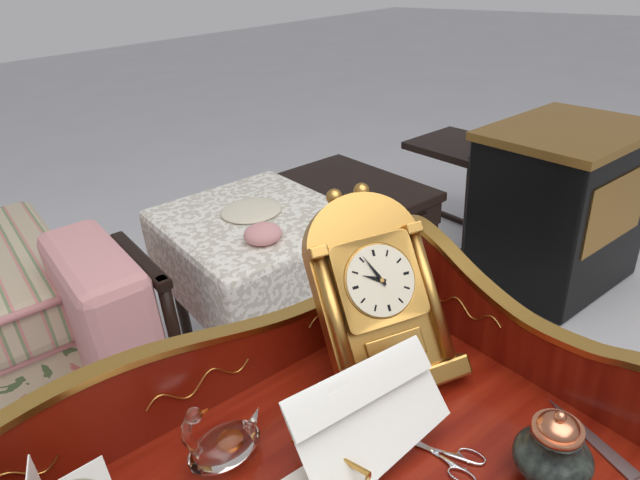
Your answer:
{"hour": 9, "minute": 56}
